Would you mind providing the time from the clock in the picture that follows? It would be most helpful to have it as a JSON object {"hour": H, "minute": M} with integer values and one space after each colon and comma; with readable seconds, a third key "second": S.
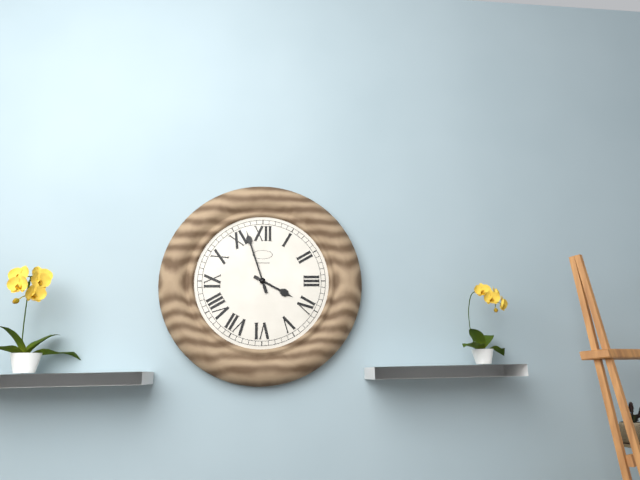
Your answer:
{"hour": 3, "minute": 57}
